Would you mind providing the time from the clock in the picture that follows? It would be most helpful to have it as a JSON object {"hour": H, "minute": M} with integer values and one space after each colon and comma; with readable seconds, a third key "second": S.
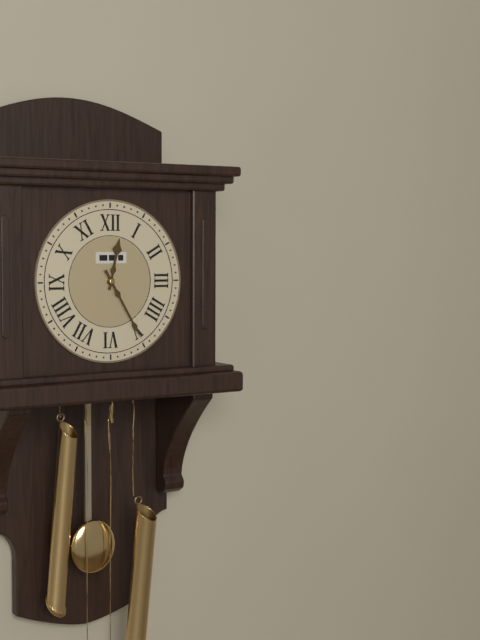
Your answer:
{"hour": 12, "minute": 25}
